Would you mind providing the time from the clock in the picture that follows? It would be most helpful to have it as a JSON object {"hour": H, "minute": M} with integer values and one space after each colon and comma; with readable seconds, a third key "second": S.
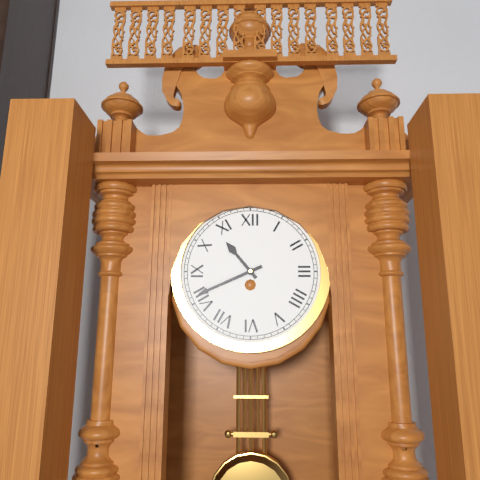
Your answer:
{"hour": 10, "minute": 41}
